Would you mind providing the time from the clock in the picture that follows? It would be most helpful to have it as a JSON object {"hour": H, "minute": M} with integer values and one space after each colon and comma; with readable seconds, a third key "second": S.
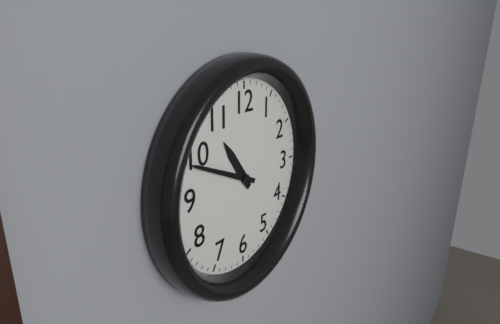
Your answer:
{"hour": 10, "minute": 49}
